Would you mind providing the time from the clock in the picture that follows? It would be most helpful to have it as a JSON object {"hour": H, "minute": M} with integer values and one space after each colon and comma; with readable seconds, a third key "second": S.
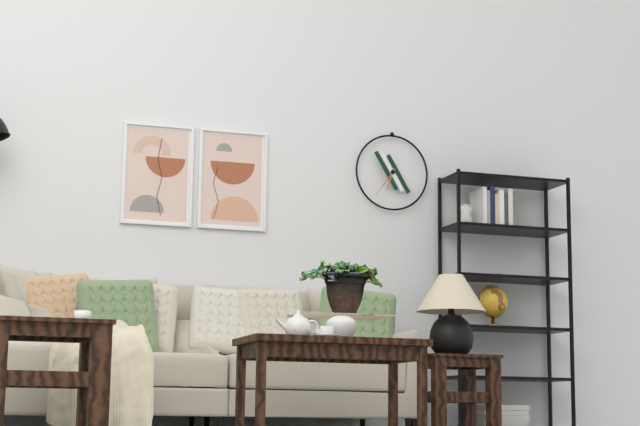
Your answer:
{"hour": 6, "minute": 36}
